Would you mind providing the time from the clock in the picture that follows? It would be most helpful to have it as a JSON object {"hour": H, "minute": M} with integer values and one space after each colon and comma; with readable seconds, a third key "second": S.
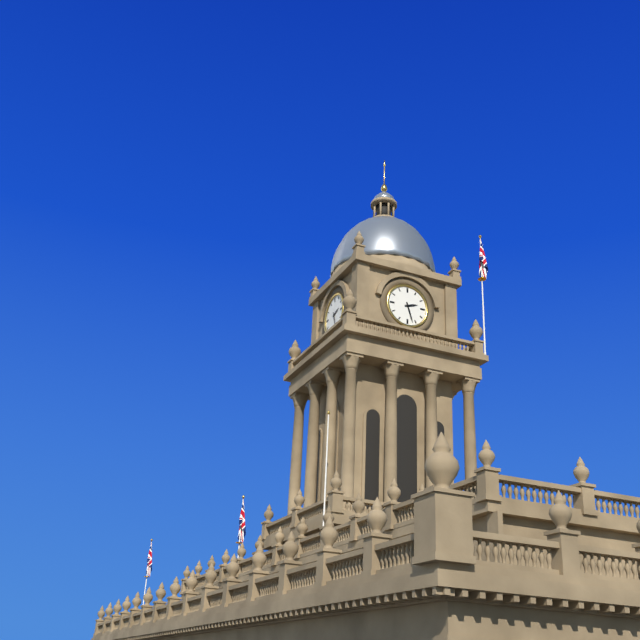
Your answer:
{"hour": 2, "minute": 27}
